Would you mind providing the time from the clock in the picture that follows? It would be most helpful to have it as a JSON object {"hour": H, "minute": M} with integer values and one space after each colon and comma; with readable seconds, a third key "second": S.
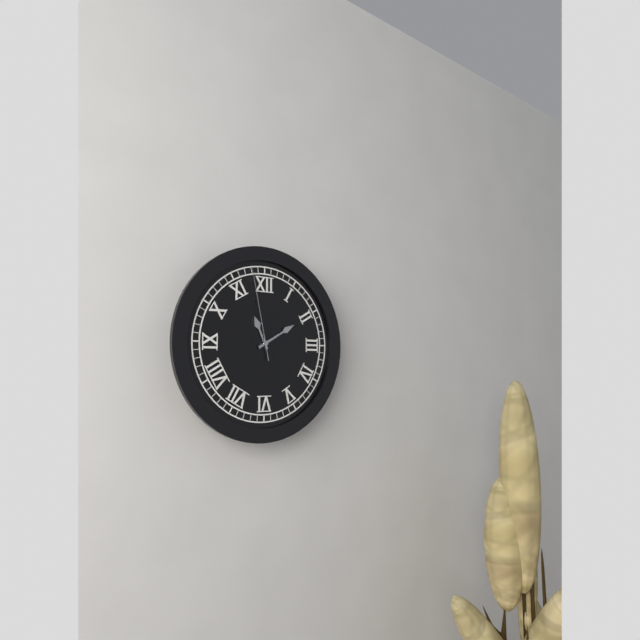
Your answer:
{"hour": 11, "minute": 10, "second": 58}
